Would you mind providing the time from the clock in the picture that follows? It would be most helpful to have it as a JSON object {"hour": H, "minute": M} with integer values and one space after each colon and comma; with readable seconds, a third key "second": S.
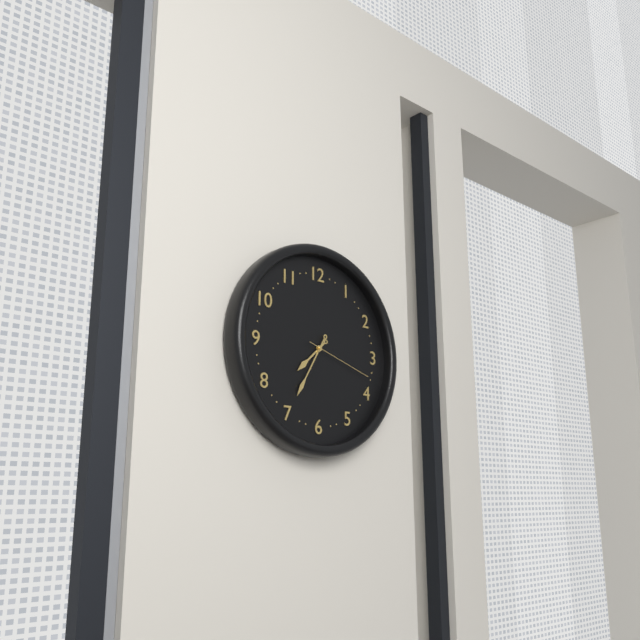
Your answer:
{"hour": 7, "minute": 35, "second": 18}
